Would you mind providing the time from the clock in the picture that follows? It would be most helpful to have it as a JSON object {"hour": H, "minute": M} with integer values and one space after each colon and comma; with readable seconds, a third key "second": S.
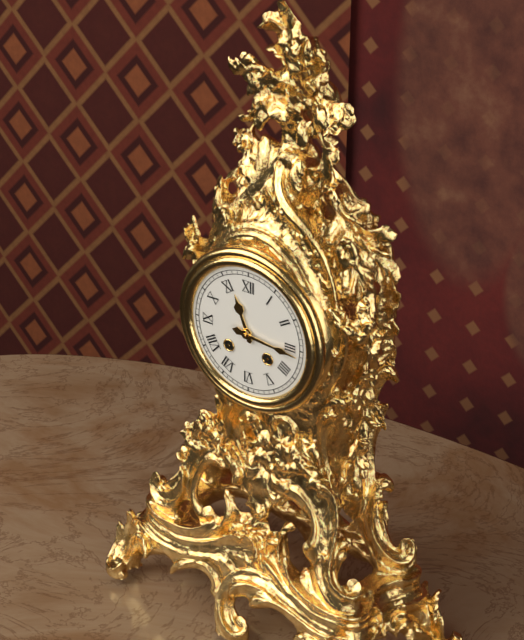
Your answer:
{"hour": 11, "minute": 16}
